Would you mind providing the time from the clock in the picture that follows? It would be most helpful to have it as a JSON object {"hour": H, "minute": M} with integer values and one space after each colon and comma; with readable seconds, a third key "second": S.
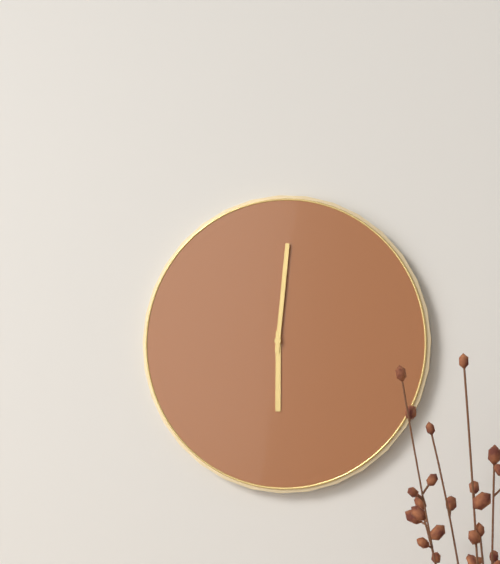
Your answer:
{"hour": 6, "minute": 1}
